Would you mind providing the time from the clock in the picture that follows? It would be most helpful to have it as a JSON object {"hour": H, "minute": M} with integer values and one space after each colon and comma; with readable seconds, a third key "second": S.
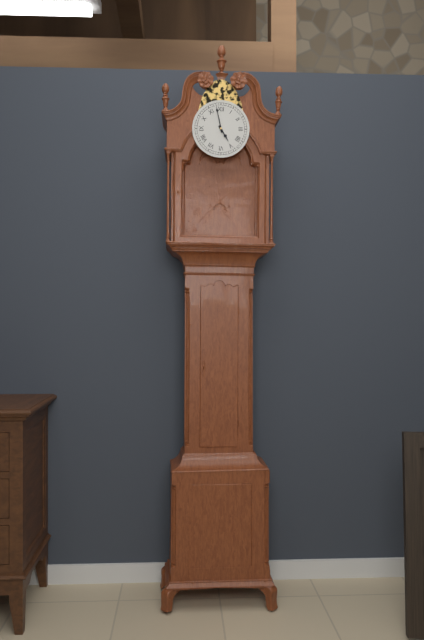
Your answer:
{"hour": 4, "minute": 58}
